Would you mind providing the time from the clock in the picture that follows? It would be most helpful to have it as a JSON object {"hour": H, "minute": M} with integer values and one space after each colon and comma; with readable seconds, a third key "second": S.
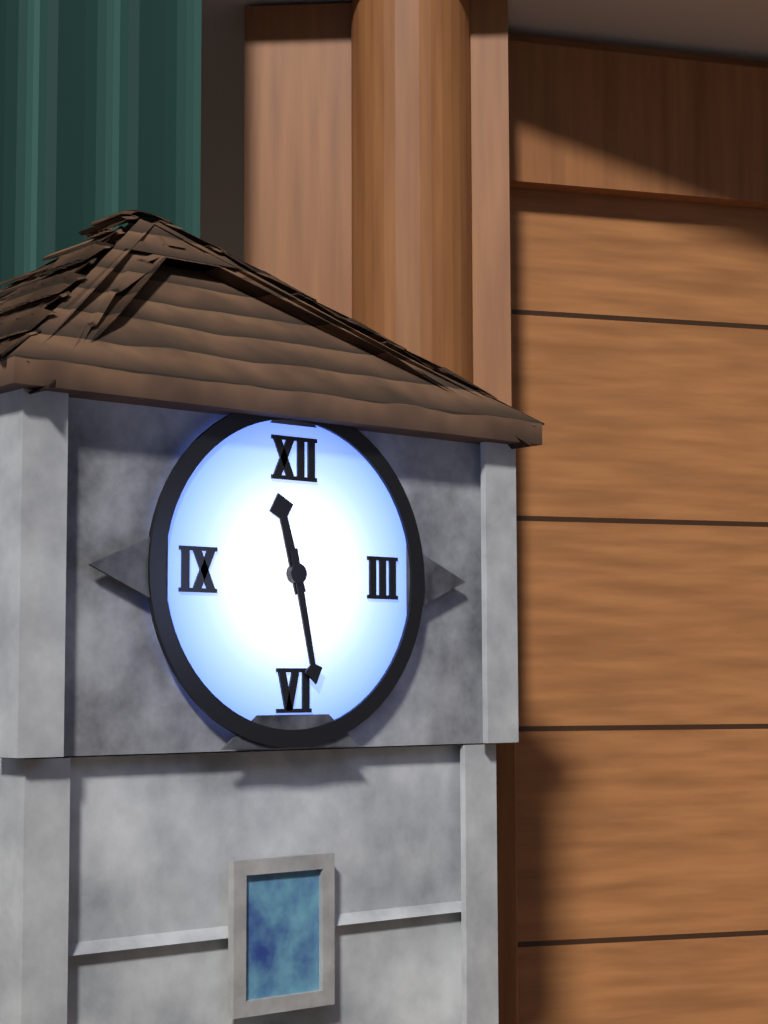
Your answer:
{"hour": 11, "minute": 28}
